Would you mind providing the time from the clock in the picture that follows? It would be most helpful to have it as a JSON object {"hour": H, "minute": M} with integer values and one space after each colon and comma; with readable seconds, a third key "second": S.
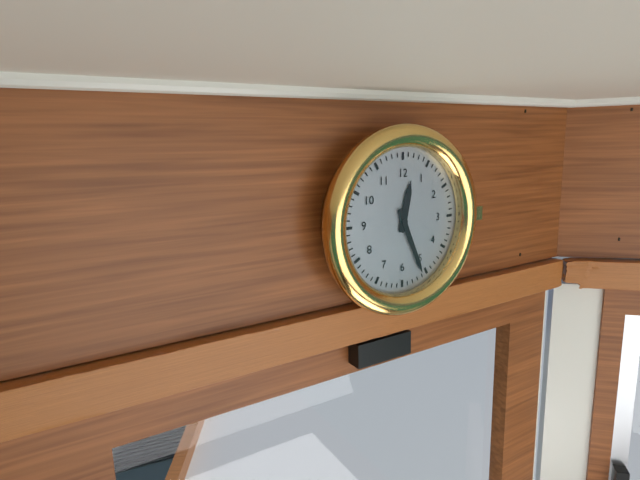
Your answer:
{"hour": 12, "minute": 26}
